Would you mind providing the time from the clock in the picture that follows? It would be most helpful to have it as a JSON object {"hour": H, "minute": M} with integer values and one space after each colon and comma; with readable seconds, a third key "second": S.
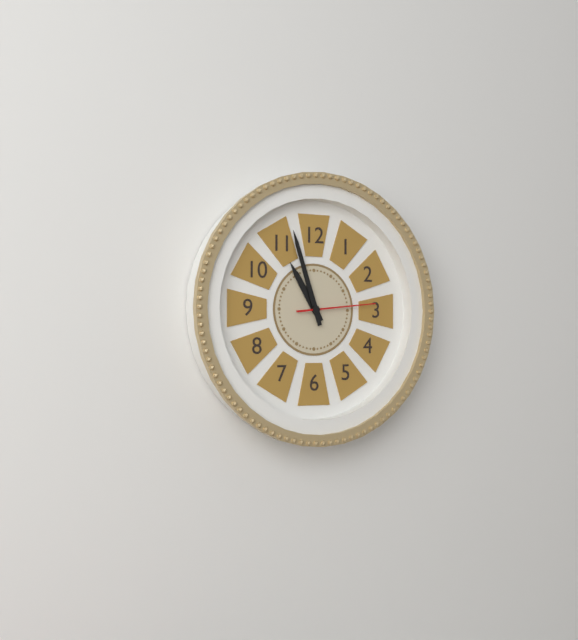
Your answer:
{"hour": 10, "minute": 57, "second": 14}
